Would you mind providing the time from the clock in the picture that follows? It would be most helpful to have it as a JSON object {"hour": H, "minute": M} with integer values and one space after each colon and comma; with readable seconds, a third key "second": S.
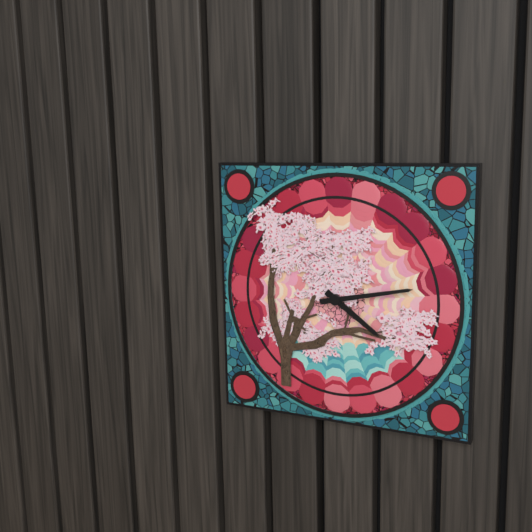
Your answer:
{"hour": 4, "minute": 13}
